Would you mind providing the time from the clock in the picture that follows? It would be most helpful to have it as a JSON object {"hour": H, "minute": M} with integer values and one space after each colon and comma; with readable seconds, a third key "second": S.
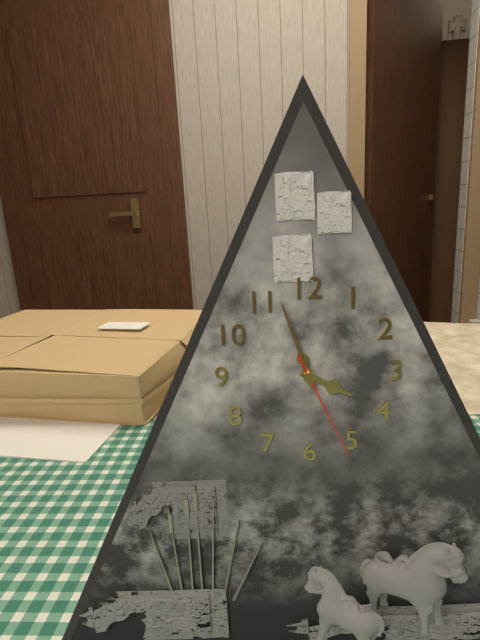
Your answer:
{"hour": 3, "minute": 57, "second": 26}
